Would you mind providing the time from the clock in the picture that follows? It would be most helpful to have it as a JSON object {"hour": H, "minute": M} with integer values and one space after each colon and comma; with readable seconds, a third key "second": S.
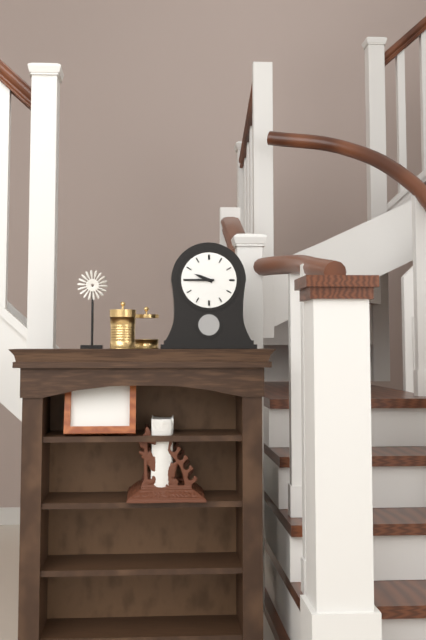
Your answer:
{"hour": 9, "minute": 45}
